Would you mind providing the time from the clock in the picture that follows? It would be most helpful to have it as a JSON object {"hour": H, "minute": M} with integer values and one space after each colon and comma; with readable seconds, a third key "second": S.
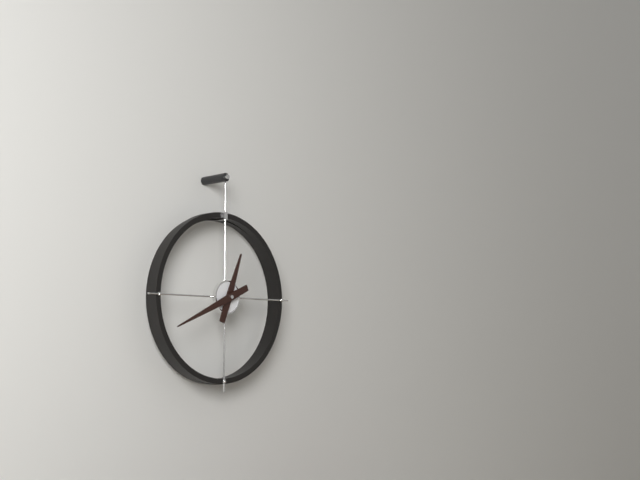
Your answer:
{"hour": 12, "minute": 41}
